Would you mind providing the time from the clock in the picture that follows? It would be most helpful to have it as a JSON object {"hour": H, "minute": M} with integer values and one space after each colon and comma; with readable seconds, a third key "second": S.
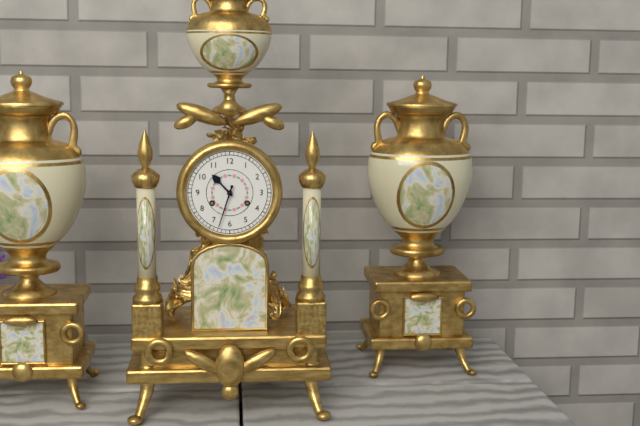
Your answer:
{"hour": 10, "minute": 33}
